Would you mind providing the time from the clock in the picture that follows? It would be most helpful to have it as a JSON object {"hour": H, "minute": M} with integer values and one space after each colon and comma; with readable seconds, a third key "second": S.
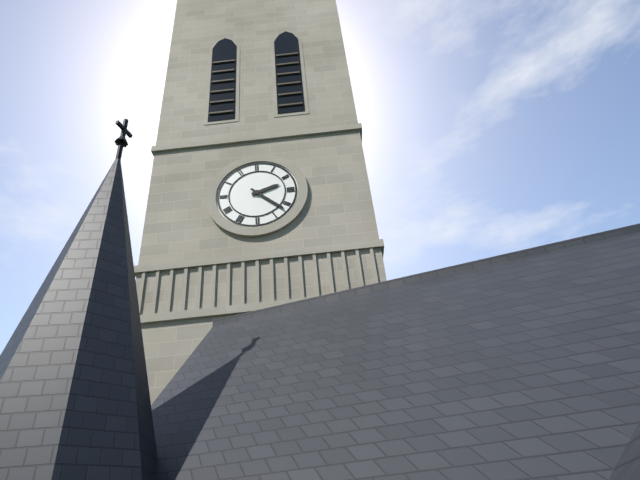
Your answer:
{"hour": 2, "minute": 22}
